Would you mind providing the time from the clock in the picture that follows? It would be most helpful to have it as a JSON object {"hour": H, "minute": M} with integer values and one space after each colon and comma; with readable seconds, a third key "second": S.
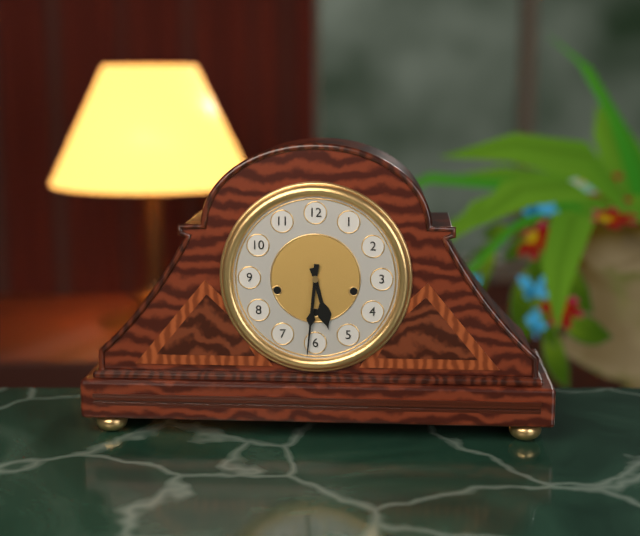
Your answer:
{"hour": 5, "minute": 31}
